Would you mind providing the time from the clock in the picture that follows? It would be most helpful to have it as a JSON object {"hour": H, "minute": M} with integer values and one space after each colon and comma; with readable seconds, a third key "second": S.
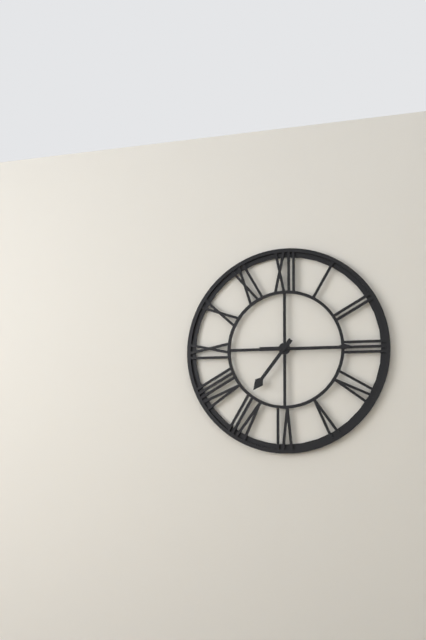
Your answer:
{"hour": 7, "minute": 15}
